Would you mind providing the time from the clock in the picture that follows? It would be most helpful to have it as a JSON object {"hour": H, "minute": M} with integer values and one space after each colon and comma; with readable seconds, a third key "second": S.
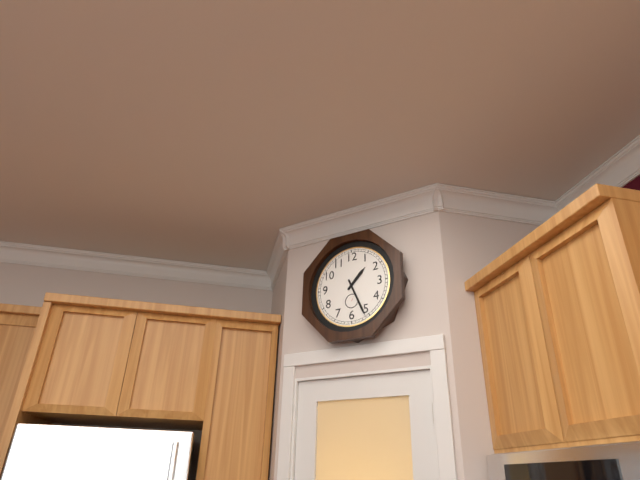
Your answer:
{"hour": 1, "minute": 26}
